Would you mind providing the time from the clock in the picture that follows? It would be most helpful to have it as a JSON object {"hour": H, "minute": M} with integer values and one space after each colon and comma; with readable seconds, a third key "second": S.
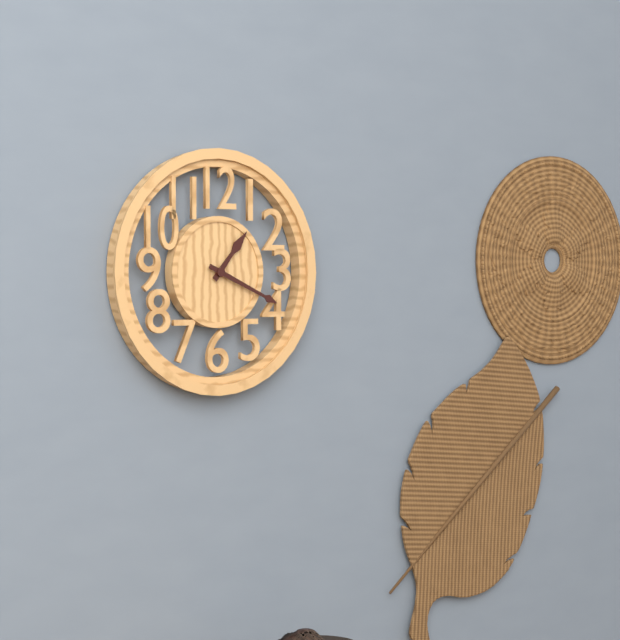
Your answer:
{"hour": 1, "minute": 19}
